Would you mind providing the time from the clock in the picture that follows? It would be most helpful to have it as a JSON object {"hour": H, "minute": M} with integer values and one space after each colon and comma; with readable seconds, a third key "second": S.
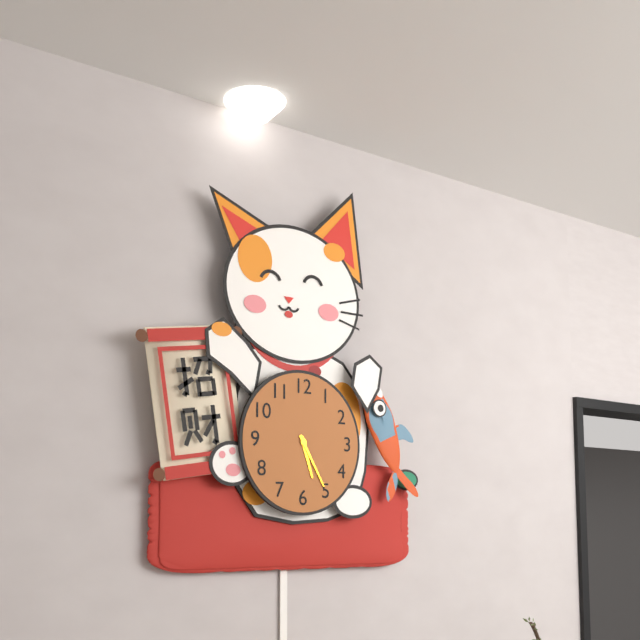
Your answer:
{"hour": 5, "minute": 25}
